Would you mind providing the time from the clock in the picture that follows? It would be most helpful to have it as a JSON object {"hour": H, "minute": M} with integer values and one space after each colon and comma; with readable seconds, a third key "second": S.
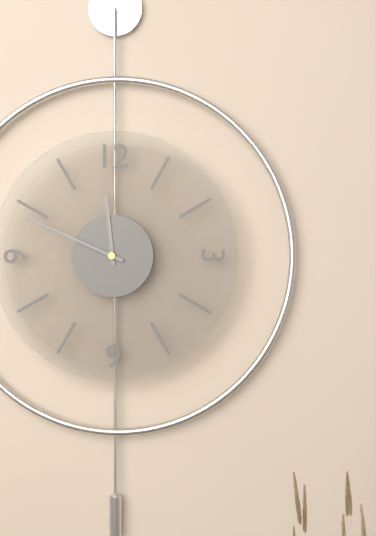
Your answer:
{"hour": 11, "minute": 49}
